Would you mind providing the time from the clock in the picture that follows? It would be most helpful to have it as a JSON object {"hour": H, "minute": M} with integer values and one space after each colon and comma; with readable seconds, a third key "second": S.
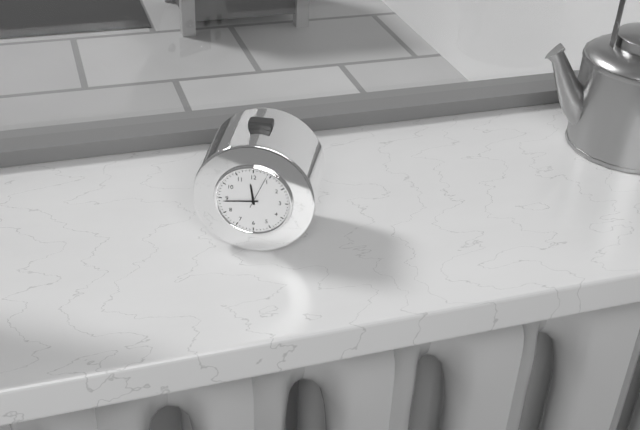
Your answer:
{"hour": 11, "minute": 44}
